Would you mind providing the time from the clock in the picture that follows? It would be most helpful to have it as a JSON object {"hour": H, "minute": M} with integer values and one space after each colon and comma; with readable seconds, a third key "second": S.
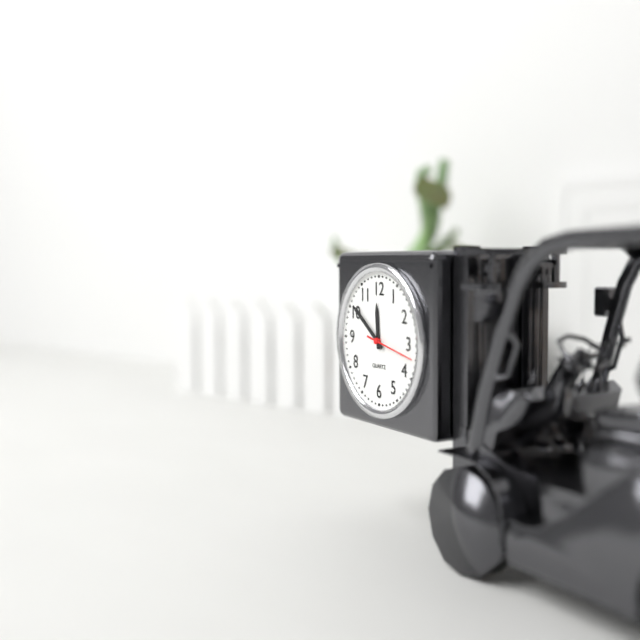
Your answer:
{"hour": 11, "minute": 51}
